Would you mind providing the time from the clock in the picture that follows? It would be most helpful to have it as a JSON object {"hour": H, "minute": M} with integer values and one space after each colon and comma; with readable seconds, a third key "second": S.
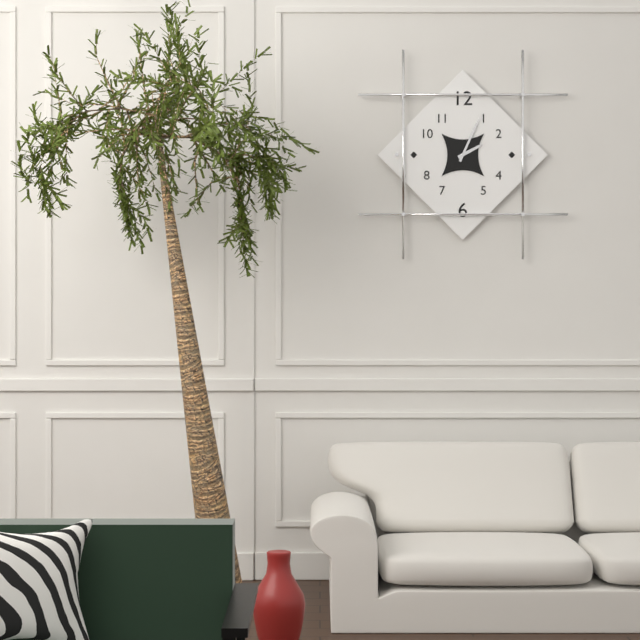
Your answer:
{"hour": 2, "minute": 4}
